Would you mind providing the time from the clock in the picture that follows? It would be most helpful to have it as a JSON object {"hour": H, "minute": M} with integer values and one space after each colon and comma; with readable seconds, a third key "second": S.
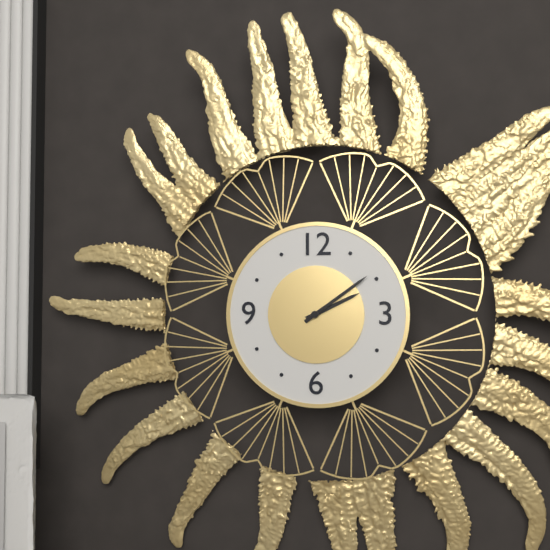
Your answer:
{"hour": 2, "minute": 9}
